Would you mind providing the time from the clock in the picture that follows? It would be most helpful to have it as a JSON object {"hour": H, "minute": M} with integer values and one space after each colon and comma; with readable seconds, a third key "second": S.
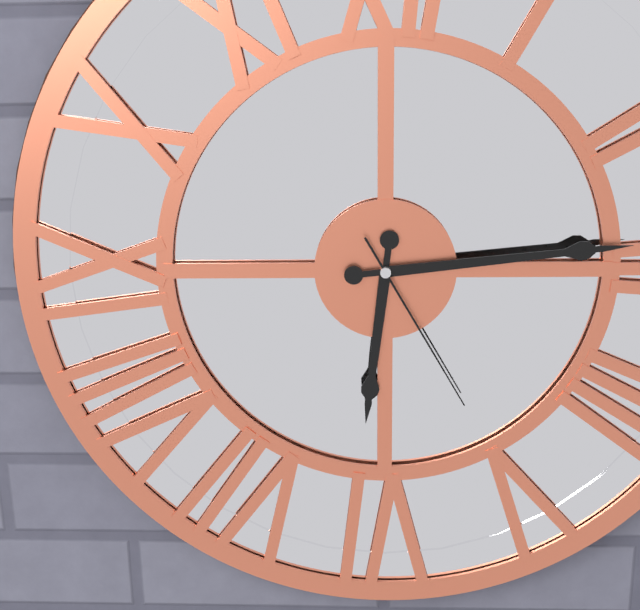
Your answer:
{"hour": 6, "minute": 14, "second": 25}
